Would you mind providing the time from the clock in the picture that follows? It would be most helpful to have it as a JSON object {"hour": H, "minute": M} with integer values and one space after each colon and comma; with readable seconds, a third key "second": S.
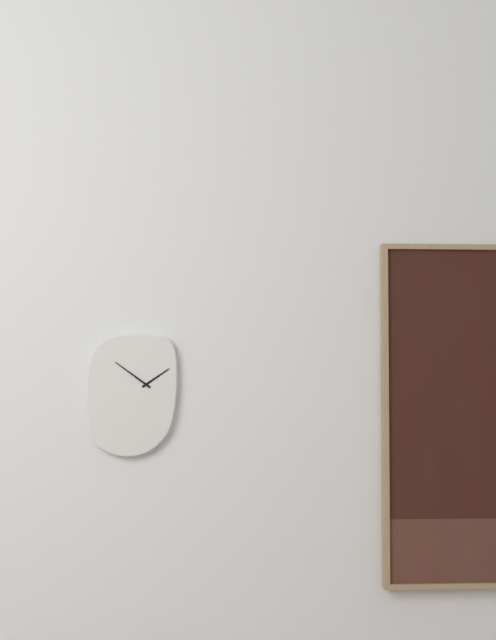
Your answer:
{"hour": 1, "minute": 51}
